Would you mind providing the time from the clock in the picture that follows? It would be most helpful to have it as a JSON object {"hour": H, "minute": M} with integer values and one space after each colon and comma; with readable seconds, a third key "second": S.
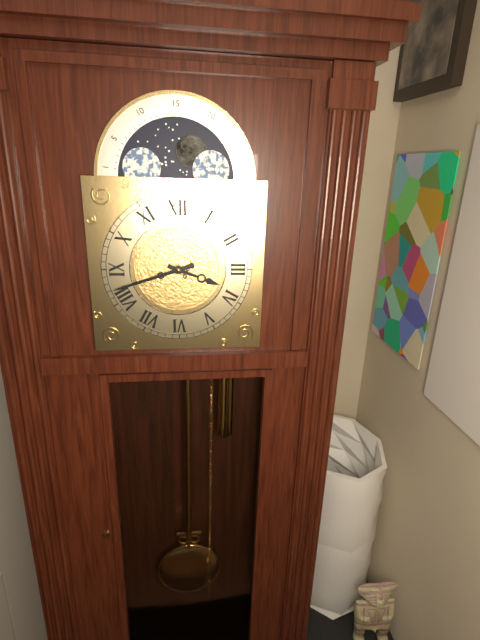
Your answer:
{"hour": 3, "minute": 42}
